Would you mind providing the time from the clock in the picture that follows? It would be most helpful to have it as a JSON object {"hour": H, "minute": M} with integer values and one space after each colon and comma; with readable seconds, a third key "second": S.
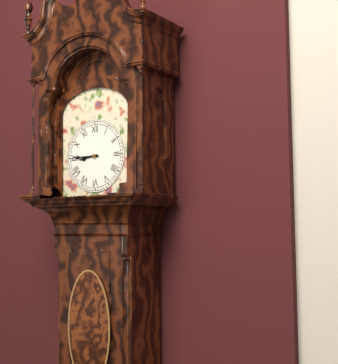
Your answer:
{"hour": 8, "minute": 45}
